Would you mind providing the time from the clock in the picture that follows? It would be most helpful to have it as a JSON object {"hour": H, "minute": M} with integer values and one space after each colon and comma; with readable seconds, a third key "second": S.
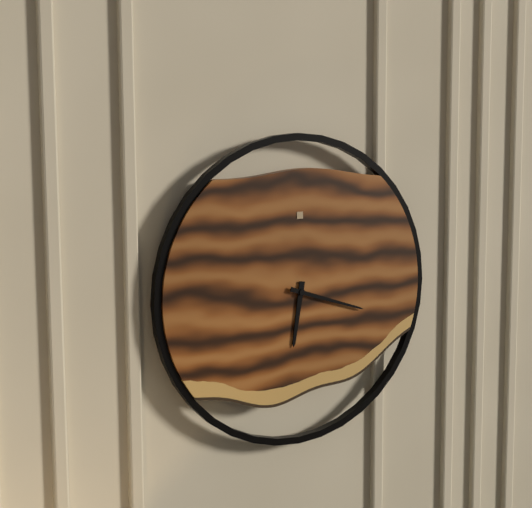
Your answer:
{"hour": 6, "minute": 18}
